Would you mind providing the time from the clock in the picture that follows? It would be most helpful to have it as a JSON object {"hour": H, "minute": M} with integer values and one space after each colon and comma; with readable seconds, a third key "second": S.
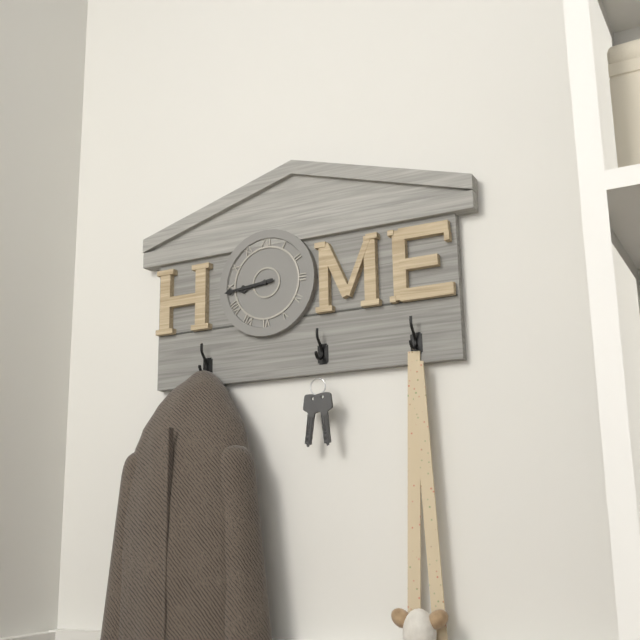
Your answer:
{"hour": 8, "minute": 44}
